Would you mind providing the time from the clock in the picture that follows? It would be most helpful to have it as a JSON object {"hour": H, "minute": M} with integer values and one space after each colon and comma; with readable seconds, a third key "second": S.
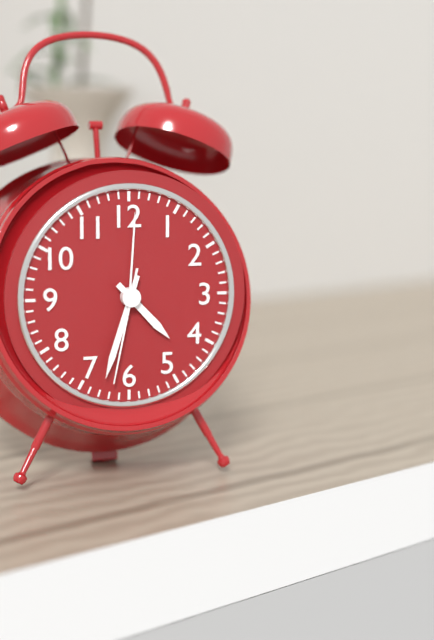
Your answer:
{"hour": 4, "minute": 33, "second": 32}
